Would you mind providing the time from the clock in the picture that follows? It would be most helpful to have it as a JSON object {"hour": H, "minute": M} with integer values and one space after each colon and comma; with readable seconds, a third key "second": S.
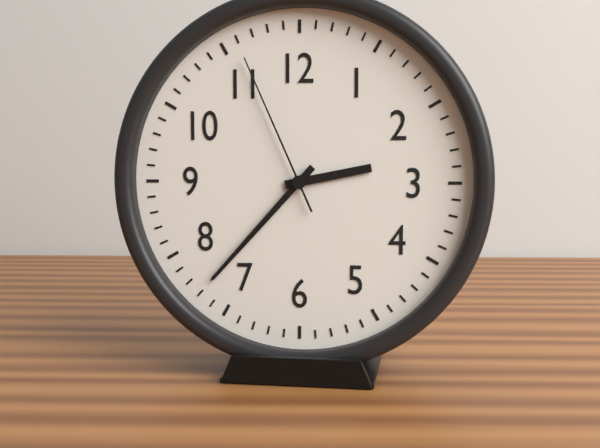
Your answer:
{"hour": 2, "minute": 37, "second": 56}
